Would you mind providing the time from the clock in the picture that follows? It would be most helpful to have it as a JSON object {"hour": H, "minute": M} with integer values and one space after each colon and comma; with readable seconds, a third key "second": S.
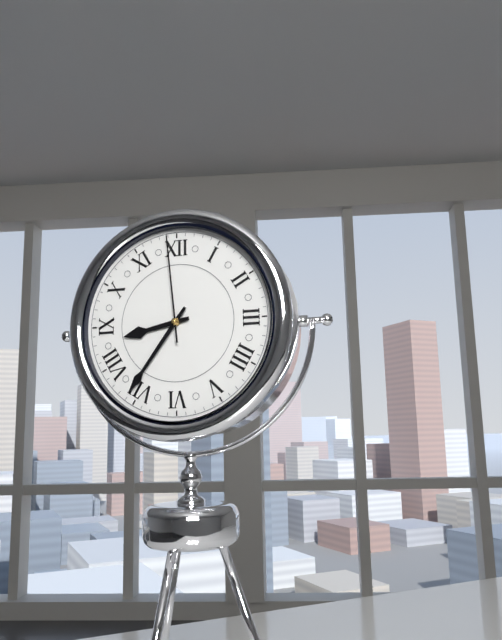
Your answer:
{"hour": 8, "minute": 36, "second": 59}
